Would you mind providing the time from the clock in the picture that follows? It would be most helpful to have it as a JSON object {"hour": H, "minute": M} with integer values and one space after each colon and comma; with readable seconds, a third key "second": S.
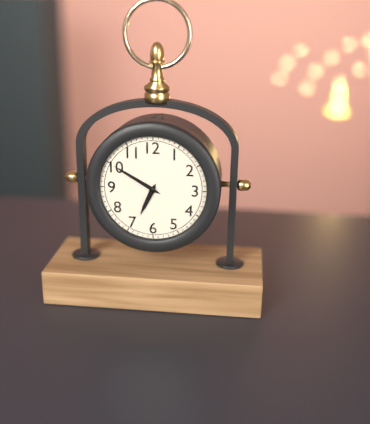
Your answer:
{"hour": 6, "minute": 50}
